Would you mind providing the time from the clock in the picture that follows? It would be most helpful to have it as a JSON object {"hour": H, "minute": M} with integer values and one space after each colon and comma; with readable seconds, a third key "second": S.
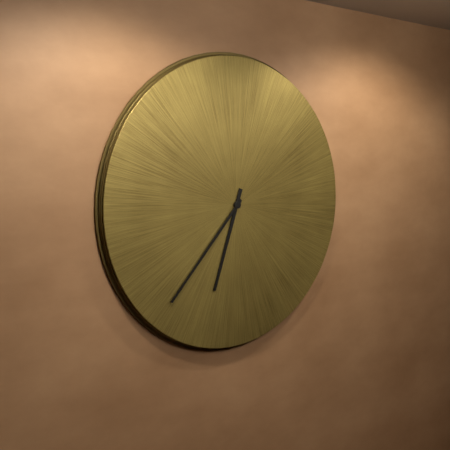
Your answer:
{"hour": 6, "minute": 37}
